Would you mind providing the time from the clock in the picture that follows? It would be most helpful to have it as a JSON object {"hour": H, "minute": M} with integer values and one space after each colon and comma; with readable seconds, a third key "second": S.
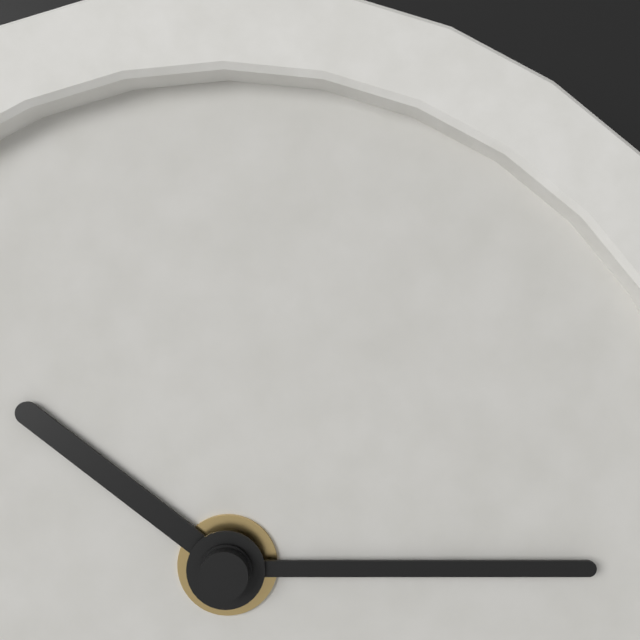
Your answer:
{"hour": 10, "minute": 15}
